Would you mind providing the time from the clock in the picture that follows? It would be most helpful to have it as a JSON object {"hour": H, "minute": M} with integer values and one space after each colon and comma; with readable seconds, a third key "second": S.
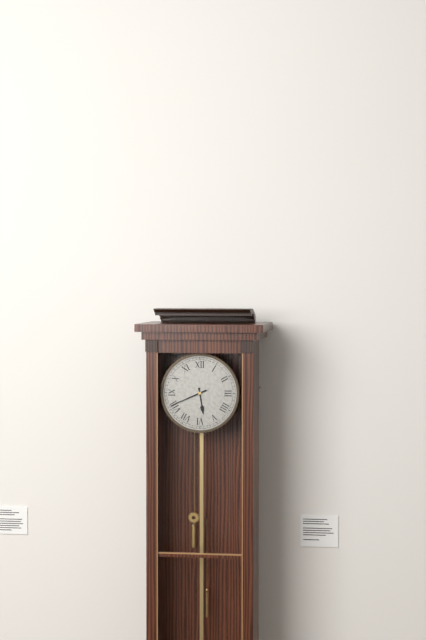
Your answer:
{"hour": 5, "minute": 41}
